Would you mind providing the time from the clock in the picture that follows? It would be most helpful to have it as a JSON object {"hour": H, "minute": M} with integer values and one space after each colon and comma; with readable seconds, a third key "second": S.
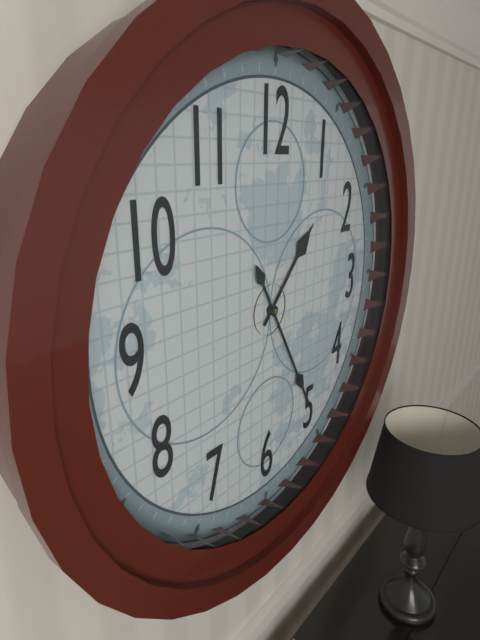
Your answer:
{"hour": 1, "minute": 25}
